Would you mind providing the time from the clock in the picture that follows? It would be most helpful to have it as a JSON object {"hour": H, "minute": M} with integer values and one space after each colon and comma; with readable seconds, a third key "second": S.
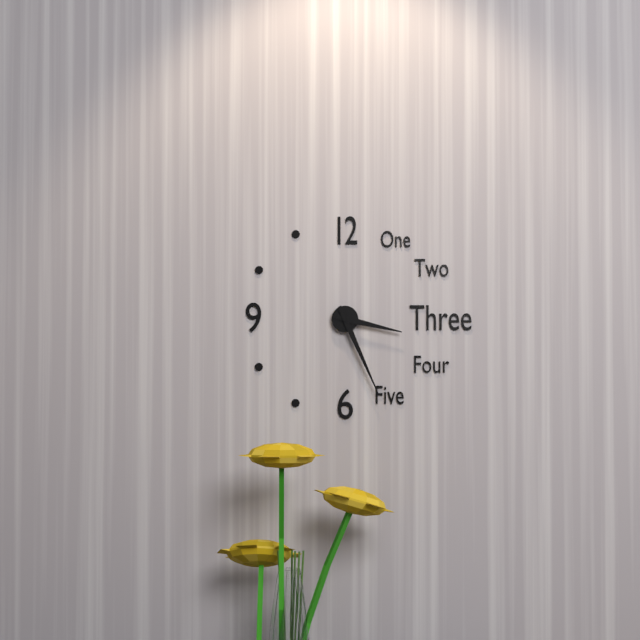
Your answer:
{"hour": 3, "minute": 26}
